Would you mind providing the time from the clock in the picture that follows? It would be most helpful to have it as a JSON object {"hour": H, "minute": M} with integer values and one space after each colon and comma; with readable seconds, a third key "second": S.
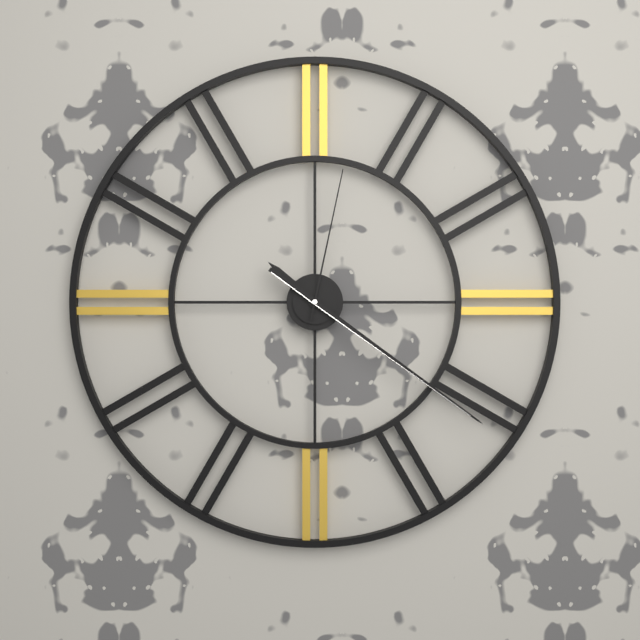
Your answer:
{"hour": 10, "minute": 21, "second": 2}
